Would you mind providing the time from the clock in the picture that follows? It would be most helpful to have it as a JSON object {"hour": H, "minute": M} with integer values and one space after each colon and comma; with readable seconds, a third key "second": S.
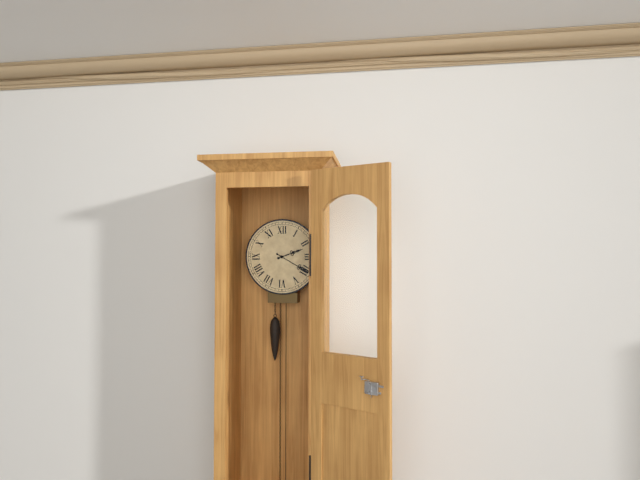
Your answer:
{"hour": 2, "minute": 20}
